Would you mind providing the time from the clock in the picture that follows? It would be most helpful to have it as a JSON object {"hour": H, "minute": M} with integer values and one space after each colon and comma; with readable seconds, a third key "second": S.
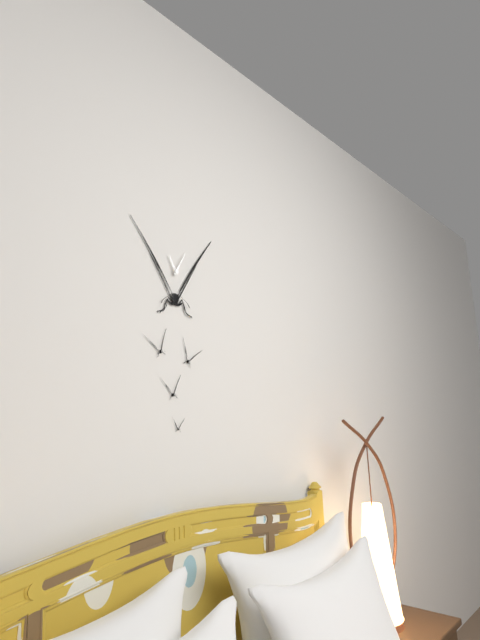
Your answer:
{"hour": 11, "minute": 5}
